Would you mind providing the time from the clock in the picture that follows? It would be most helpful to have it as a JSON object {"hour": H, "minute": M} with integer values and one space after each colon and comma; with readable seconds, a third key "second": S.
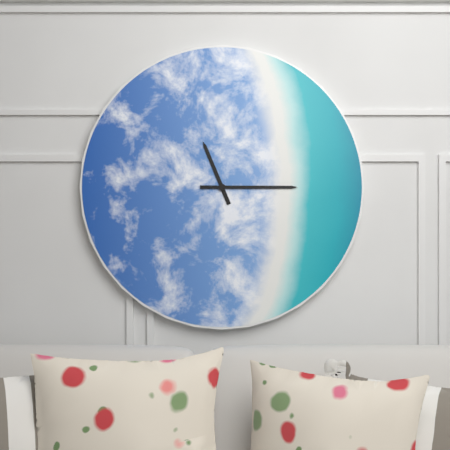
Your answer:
{"hour": 11, "minute": 15}
